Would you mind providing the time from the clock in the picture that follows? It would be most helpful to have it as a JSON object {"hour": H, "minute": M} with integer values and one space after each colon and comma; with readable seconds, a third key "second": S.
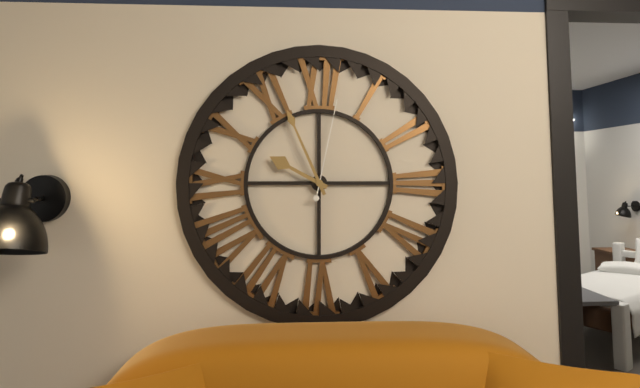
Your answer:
{"hour": 9, "minute": 56, "second": 2}
